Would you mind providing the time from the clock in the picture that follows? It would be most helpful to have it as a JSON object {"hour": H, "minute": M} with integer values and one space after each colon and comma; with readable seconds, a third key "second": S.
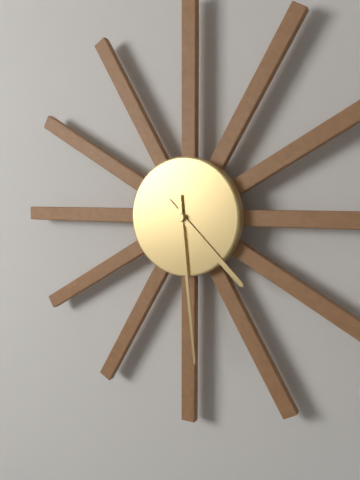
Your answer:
{"hour": 4, "minute": 29}
